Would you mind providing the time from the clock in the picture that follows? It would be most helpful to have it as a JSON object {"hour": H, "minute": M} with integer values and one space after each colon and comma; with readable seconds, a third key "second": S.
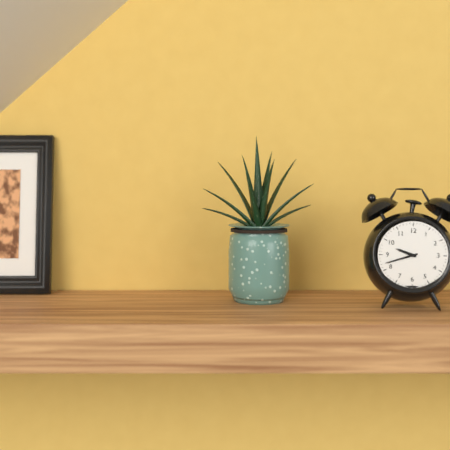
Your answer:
{"hour": 9, "minute": 42}
